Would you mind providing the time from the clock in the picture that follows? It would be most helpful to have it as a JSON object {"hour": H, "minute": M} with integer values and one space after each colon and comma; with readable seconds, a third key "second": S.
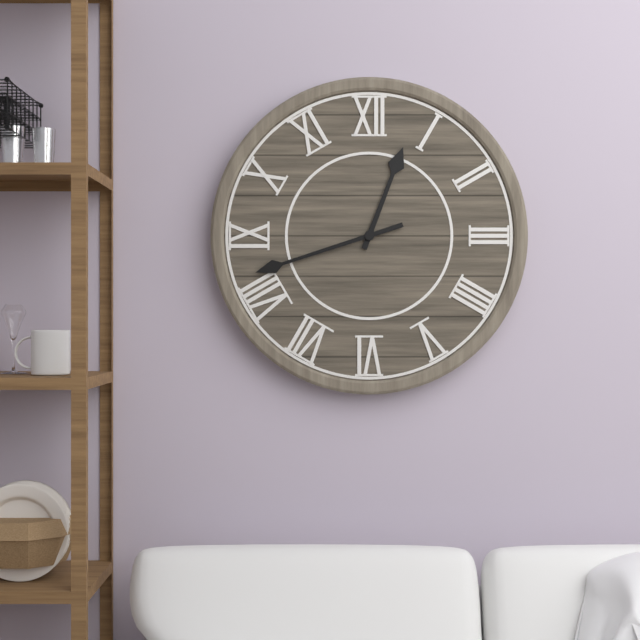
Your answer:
{"hour": 12, "minute": 42}
